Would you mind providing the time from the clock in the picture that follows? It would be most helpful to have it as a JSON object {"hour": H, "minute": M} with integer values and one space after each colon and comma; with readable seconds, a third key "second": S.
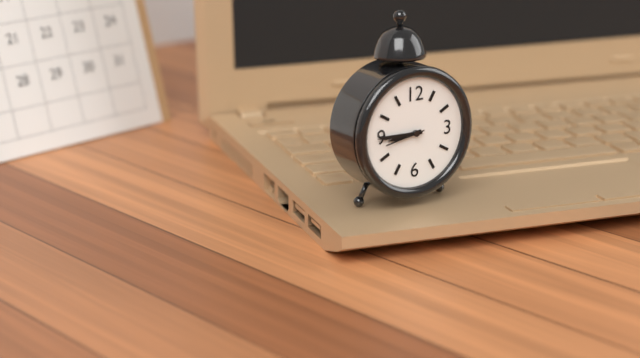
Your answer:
{"hour": 8, "minute": 45}
